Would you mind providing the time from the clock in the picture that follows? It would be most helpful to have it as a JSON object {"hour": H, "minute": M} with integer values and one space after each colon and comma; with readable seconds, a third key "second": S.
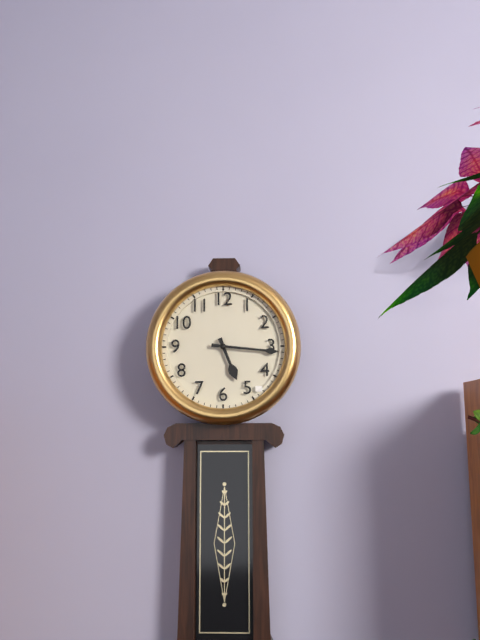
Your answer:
{"hour": 5, "minute": 16}
